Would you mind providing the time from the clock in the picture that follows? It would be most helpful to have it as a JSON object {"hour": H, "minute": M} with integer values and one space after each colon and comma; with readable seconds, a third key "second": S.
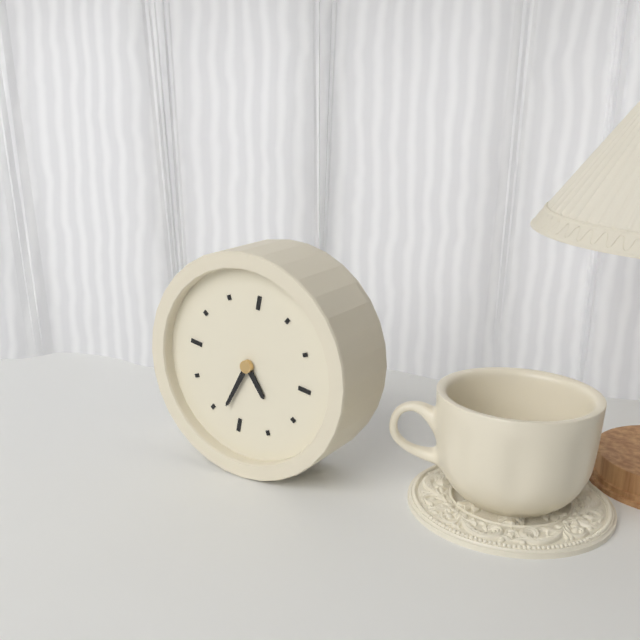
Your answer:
{"hour": 4, "minute": 33}
